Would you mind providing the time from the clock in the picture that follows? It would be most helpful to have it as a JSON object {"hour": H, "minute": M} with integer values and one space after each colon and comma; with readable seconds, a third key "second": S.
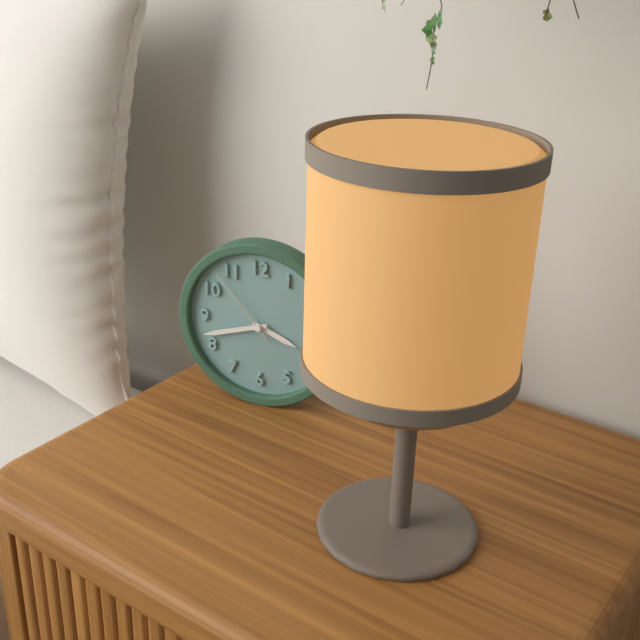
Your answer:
{"hour": 3, "minute": 42, "second": 53}
